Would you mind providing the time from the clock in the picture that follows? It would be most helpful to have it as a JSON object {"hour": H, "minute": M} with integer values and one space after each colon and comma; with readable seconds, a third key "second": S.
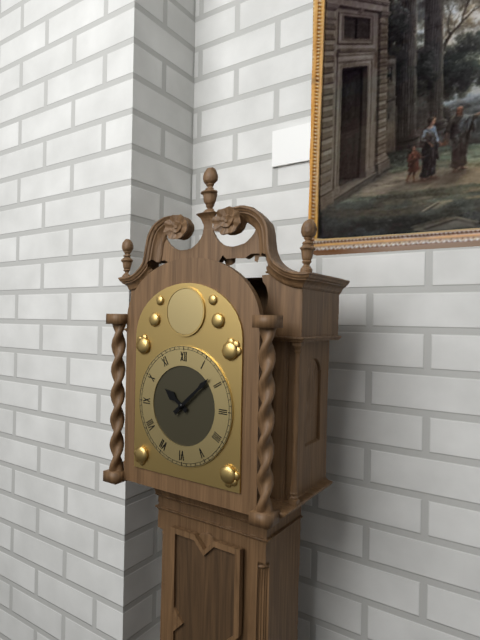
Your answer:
{"hour": 10, "minute": 8}
